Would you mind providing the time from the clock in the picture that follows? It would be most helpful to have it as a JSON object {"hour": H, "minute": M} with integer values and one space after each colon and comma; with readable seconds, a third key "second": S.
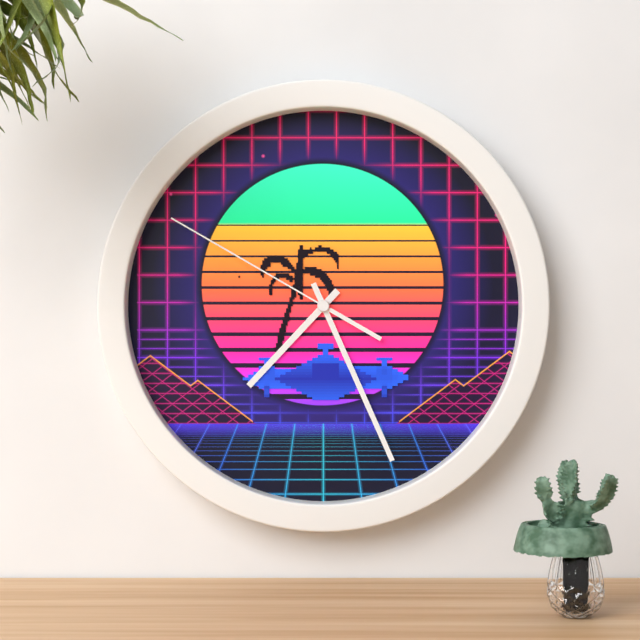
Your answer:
{"hour": 7, "minute": 26, "second": 50}
